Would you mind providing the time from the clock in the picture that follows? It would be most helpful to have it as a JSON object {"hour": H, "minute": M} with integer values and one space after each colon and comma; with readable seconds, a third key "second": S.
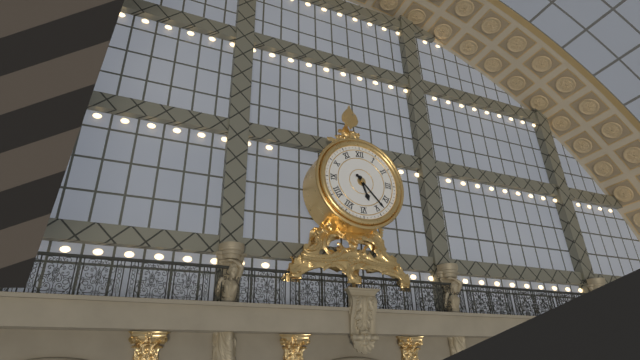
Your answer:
{"hour": 5, "minute": 23}
